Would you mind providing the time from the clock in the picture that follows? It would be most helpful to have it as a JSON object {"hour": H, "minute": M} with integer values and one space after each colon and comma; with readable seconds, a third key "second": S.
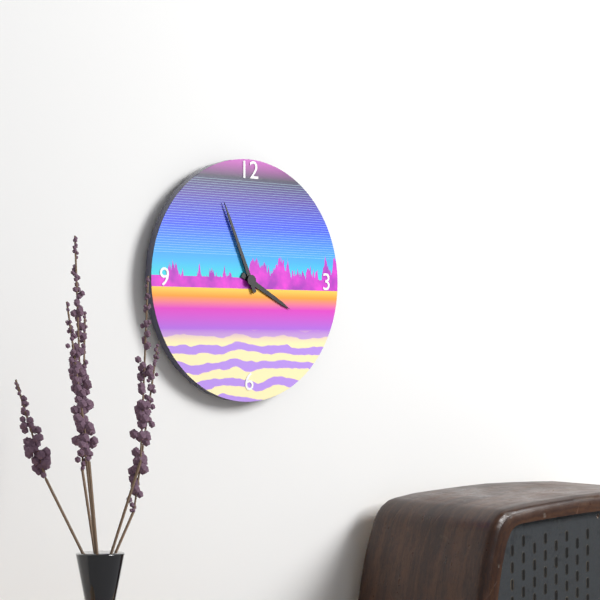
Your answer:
{"hour": 3, "minute": 56}
